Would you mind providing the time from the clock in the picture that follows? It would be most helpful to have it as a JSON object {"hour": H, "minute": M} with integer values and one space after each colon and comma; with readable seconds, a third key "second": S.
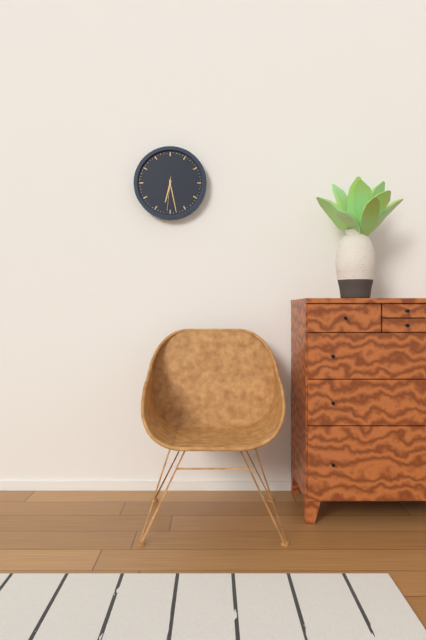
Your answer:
{"hour": 6, "minute": 28}
